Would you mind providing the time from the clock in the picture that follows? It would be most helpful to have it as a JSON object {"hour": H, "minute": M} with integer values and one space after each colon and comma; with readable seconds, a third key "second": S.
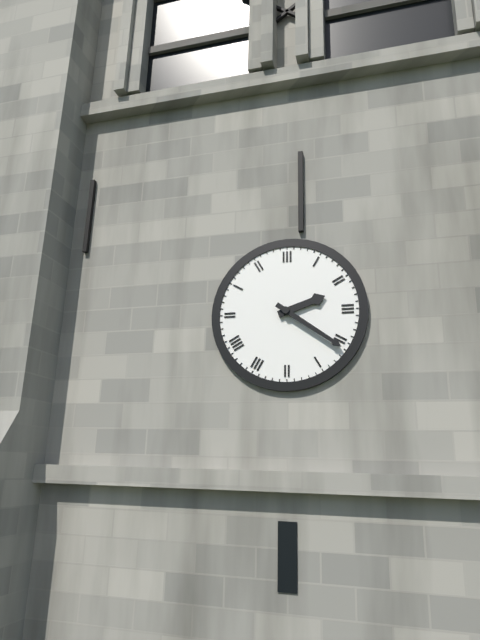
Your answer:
{"hour": 2, "minute": 21}
